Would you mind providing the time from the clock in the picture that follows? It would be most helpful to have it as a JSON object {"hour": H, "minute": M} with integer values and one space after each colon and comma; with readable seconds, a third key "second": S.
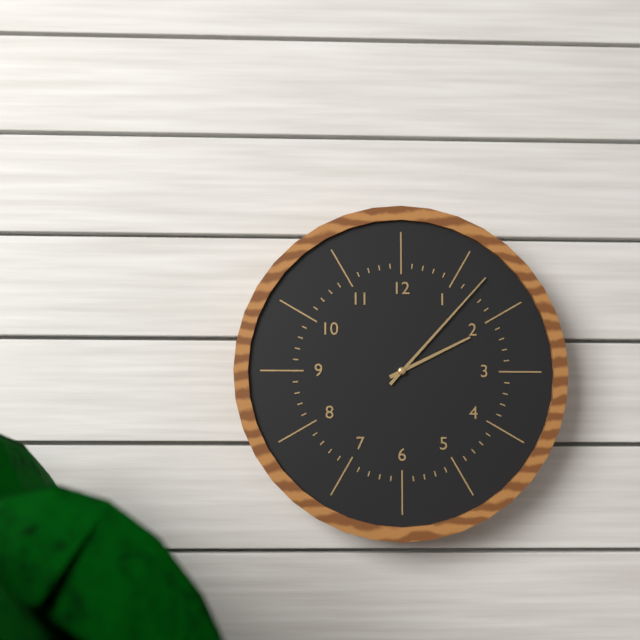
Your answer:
{"hour": 2, "minute": 7}
